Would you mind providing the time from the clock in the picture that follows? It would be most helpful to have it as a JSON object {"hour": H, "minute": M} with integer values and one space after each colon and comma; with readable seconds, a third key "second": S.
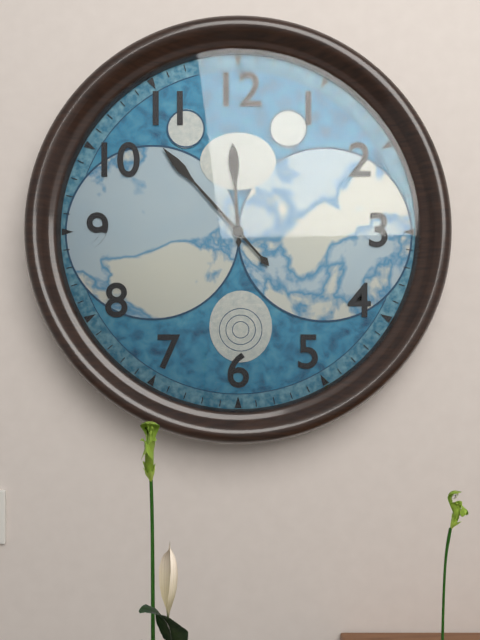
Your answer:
{"hour": 11, "minute": 53}
